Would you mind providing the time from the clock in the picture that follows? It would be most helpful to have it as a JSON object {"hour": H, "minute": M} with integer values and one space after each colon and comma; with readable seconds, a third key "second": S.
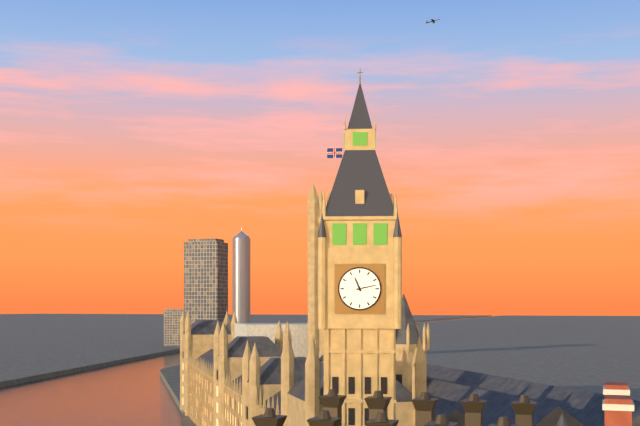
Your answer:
{"hour": 11, "minute": 13}
